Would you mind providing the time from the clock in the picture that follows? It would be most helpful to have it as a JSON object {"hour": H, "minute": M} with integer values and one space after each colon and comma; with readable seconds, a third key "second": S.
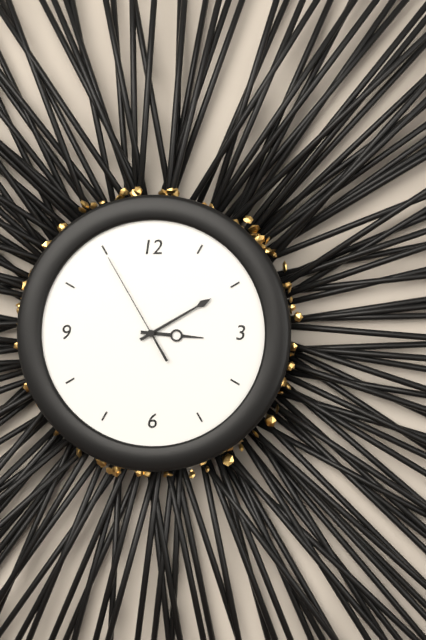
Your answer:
{"hour": 3, "minute": 10, "second": 55}
